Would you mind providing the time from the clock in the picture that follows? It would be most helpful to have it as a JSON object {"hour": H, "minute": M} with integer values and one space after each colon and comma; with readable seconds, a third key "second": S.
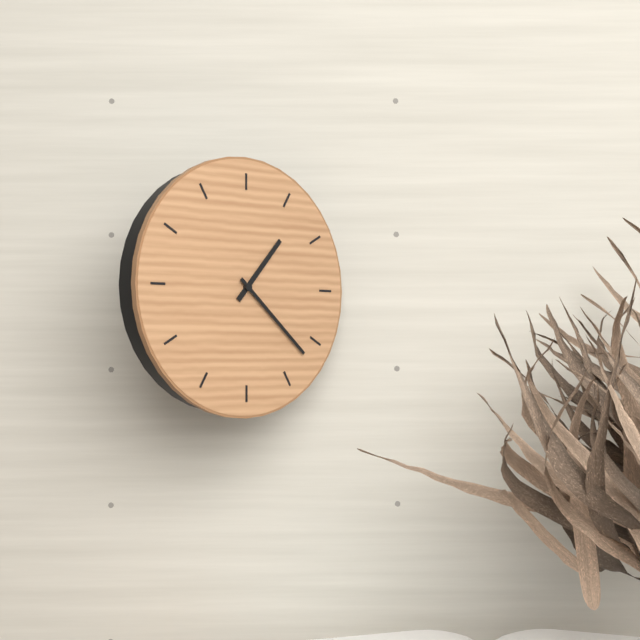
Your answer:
{"hour": 1, "minute": 22}
